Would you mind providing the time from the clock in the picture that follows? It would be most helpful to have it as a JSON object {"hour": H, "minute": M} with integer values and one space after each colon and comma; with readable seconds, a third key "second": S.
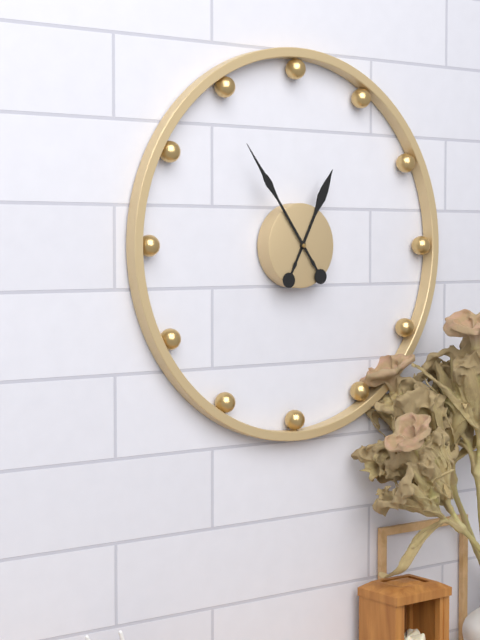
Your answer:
{"hour": 12, "minute": 54}
